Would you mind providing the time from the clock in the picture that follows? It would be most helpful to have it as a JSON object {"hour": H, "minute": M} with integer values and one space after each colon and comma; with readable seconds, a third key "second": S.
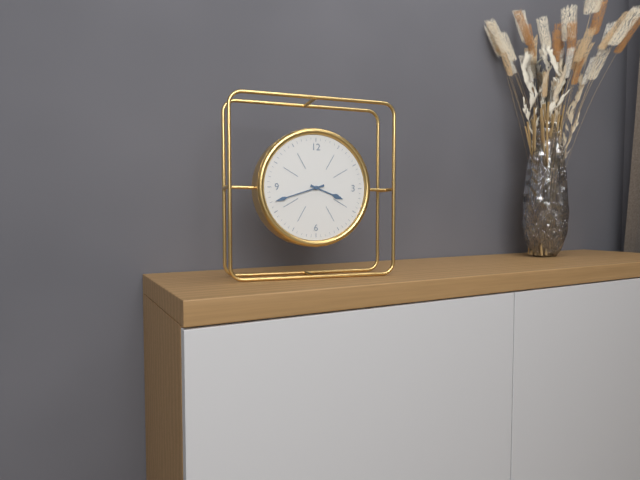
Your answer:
{"hour": 3, "minute": 42}
